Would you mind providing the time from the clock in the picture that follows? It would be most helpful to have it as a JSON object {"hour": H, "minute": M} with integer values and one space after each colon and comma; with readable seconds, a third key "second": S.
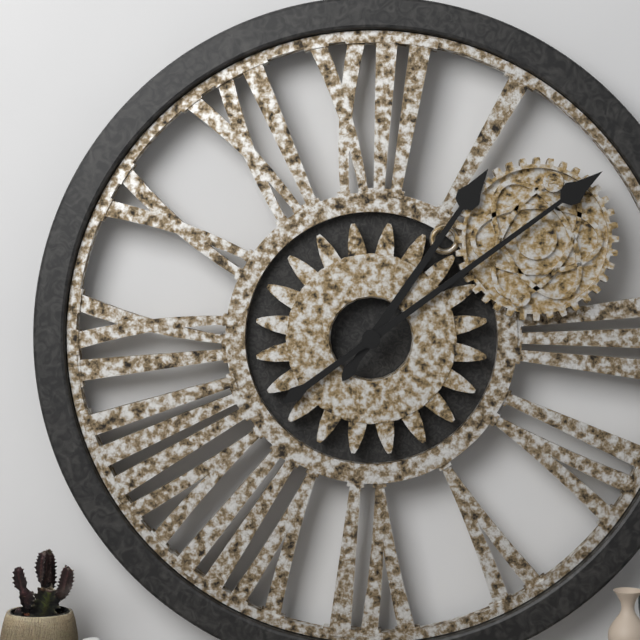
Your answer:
{"hour": 1, "minute": 9}
